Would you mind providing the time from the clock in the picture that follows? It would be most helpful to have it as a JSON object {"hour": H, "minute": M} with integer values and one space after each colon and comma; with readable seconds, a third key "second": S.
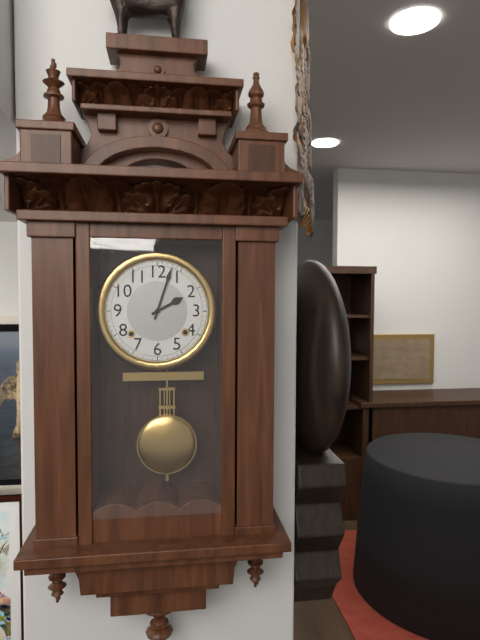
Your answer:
{"hour": 2, "minute": 3}
